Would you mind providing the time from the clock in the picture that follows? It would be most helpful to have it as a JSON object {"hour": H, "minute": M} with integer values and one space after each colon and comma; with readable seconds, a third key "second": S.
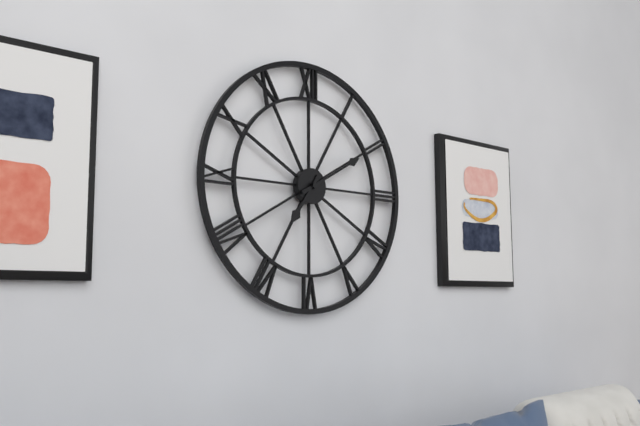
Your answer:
{"hour": 7, "minute": 10}
